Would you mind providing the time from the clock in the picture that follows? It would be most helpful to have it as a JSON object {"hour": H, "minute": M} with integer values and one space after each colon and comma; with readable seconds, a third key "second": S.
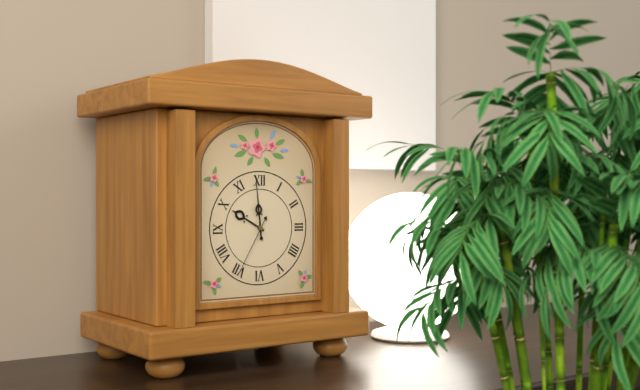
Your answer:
{"hour": 9, "minute": 59, "second": 35}
